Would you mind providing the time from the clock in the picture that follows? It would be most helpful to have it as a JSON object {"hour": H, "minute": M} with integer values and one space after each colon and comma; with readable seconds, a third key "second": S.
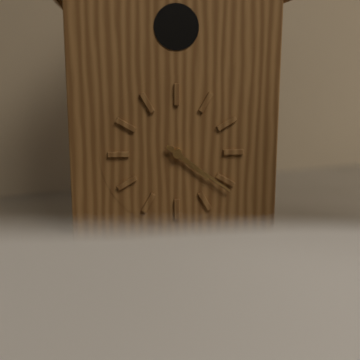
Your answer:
{"hour": 4, "minute": 21}
